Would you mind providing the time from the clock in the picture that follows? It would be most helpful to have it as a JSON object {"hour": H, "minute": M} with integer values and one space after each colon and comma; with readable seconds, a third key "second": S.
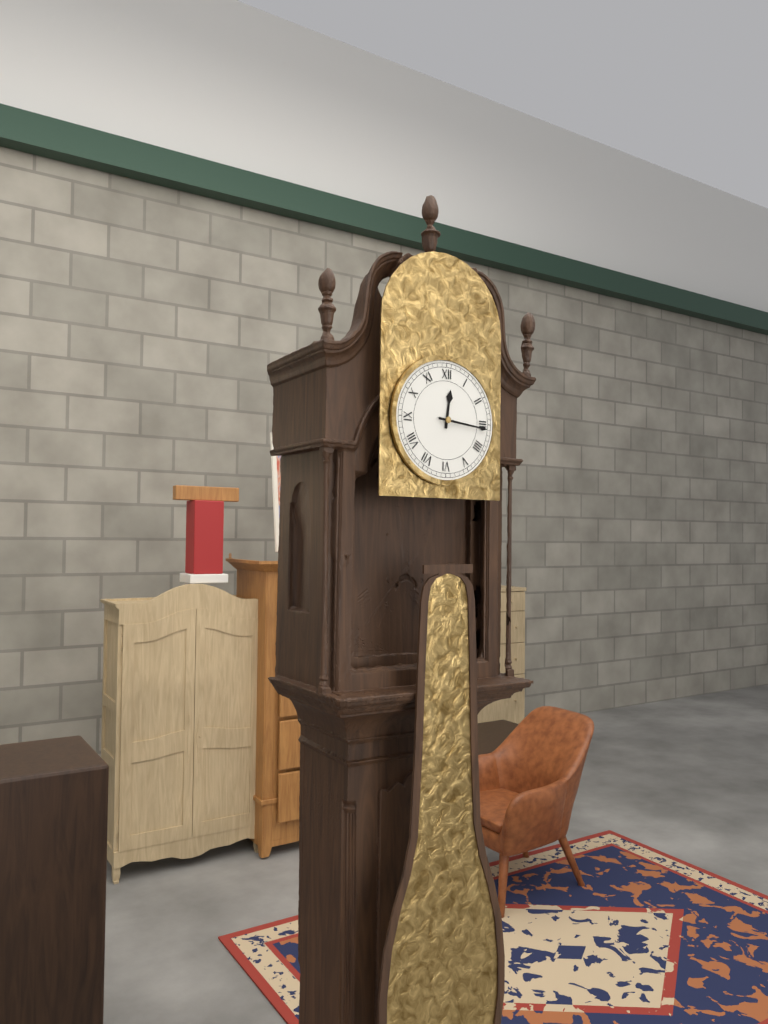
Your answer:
{"hour": 12, "minute": 16}
